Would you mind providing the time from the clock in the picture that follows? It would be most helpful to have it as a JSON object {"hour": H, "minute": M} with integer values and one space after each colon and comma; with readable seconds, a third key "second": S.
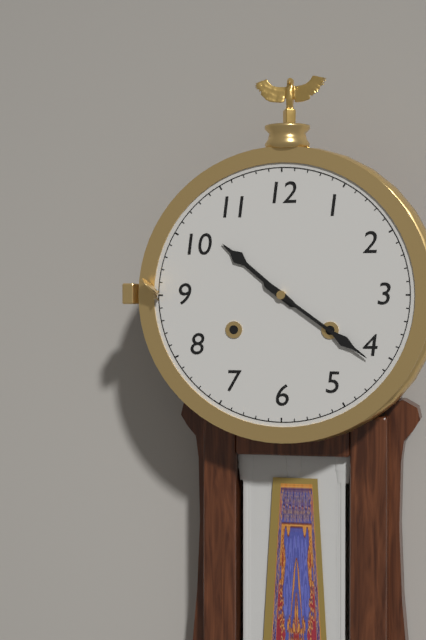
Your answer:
{"hour": 10, "minute": 21}
